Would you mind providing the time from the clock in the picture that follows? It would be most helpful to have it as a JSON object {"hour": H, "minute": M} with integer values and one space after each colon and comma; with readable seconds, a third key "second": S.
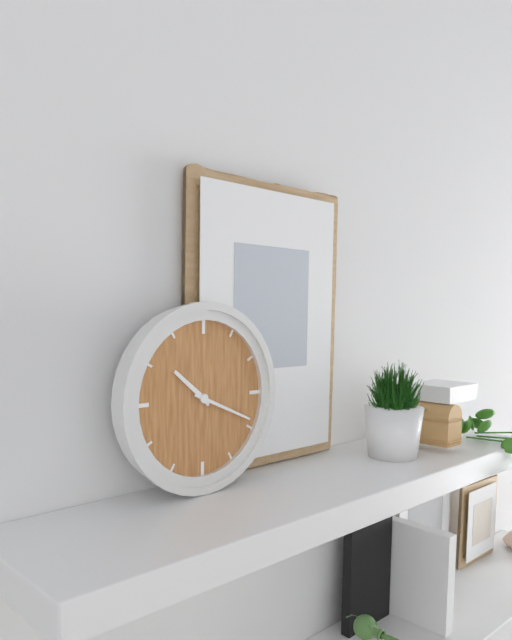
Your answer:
{"hour": 10, "minute": 19}
